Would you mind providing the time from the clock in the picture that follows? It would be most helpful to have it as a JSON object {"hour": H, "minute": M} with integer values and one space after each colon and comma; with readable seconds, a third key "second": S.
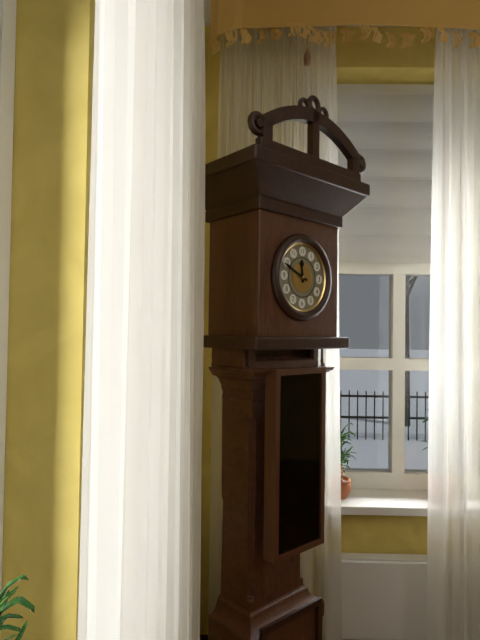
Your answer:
{"hour": 11, "minute": 49}
